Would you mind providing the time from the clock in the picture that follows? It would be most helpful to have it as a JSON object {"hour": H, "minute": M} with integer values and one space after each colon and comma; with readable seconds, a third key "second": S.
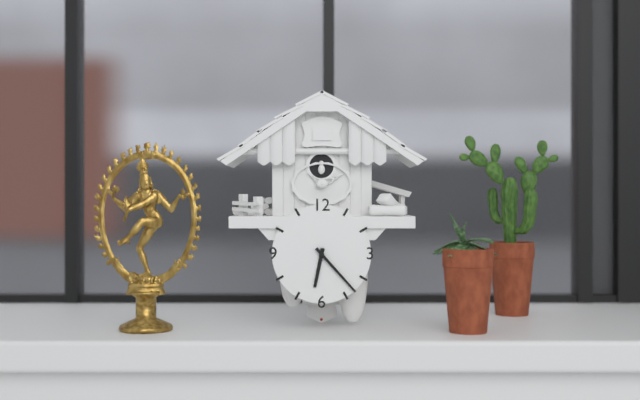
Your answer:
{"hour": 6, "minute": 23}
